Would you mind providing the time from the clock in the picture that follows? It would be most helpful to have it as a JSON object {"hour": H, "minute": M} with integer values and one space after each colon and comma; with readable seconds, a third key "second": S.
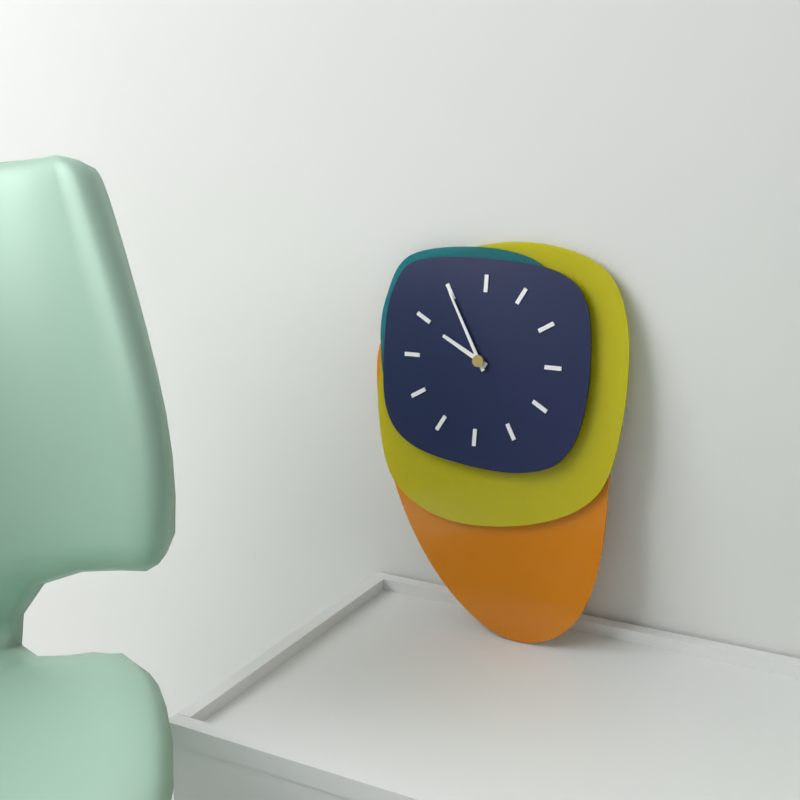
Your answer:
{"hour": 9, "minute": 55}
